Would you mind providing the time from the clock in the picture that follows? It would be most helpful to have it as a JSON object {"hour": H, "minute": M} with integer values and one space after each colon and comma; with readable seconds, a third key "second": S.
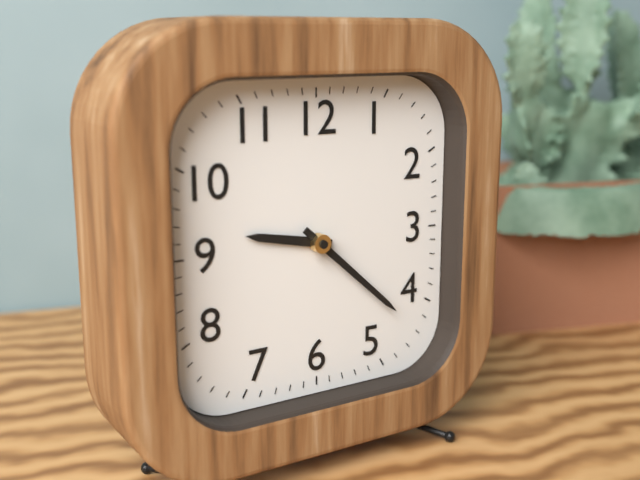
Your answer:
{"hour": 9, "minute": 22}
